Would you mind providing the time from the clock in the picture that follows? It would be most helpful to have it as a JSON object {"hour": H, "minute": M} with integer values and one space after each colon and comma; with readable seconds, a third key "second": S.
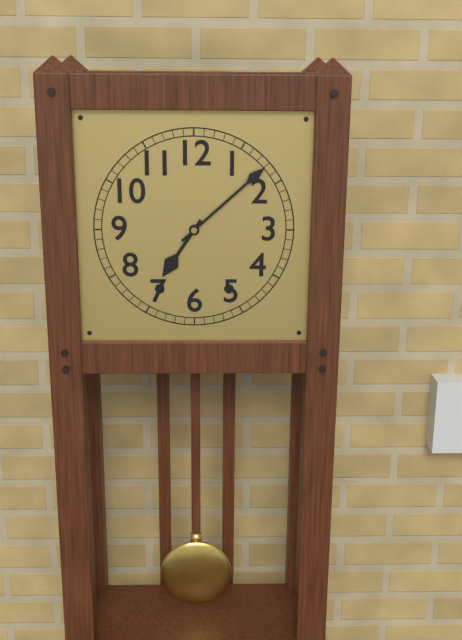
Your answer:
{"hour": 7, "minute": 8}
